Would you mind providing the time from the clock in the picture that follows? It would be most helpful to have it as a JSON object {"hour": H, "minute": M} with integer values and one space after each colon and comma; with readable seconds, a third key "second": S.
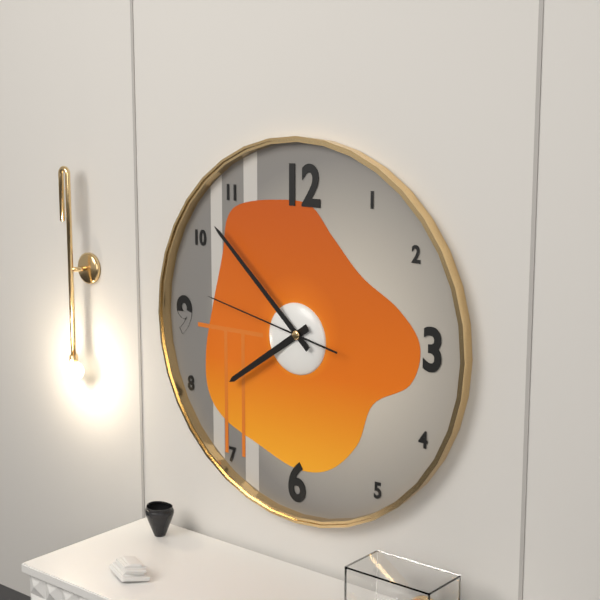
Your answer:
{"hour": 7, "minute": 52, "second": 47}
